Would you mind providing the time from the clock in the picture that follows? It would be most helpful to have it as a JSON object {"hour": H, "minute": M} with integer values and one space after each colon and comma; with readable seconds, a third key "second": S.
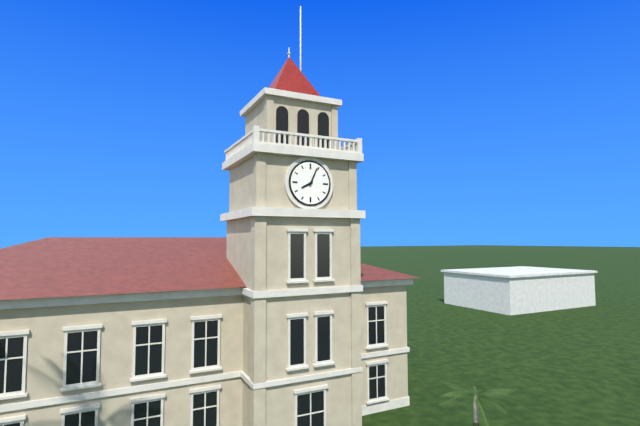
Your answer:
{"hour": 8, "minute": 4}
